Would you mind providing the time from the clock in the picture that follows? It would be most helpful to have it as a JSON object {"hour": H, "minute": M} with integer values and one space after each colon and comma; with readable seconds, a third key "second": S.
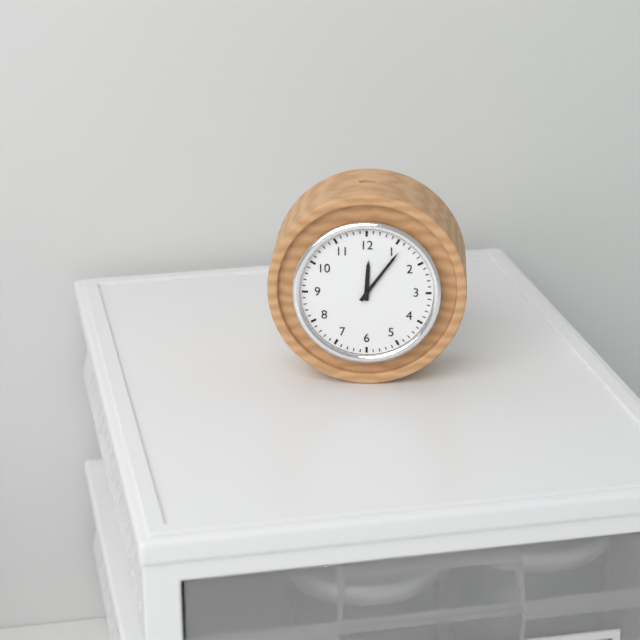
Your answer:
{"hour": 12, "minute": 6}
